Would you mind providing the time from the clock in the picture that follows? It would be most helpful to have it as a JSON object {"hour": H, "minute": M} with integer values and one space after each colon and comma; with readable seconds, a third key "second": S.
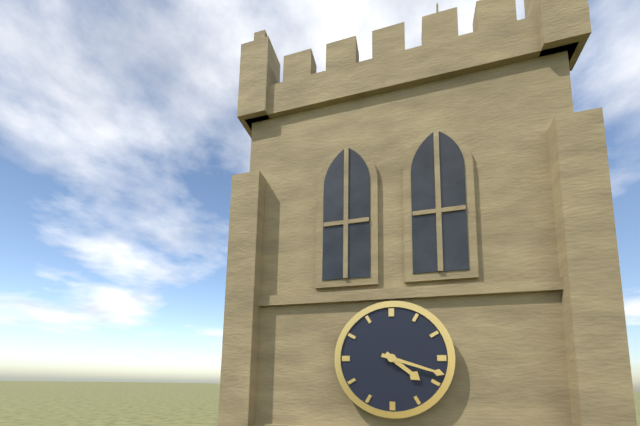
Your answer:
{"hour": 4, "minute": 18}
